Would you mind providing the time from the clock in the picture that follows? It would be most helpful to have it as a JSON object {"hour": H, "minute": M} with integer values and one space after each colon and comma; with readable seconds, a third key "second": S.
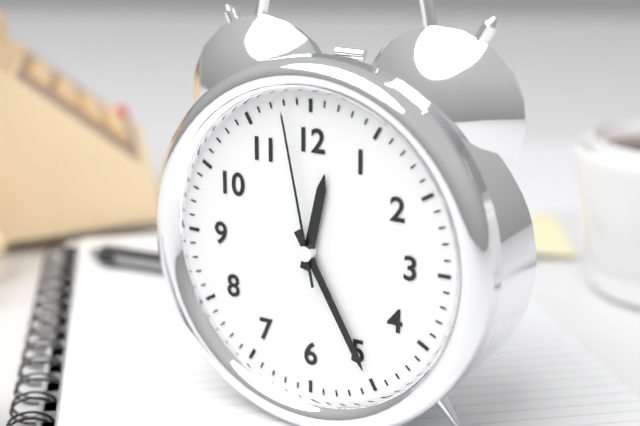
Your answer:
{"hour": 12, "minute": 25, "second": 58}
